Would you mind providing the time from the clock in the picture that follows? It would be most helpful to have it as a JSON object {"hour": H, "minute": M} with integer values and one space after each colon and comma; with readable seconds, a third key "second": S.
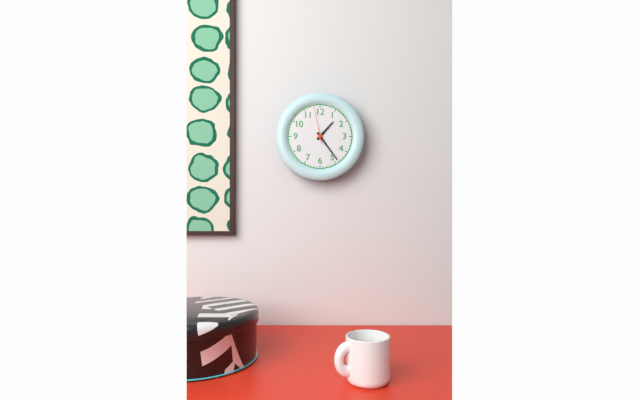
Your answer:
{"hour": 1, "minute": 24}
